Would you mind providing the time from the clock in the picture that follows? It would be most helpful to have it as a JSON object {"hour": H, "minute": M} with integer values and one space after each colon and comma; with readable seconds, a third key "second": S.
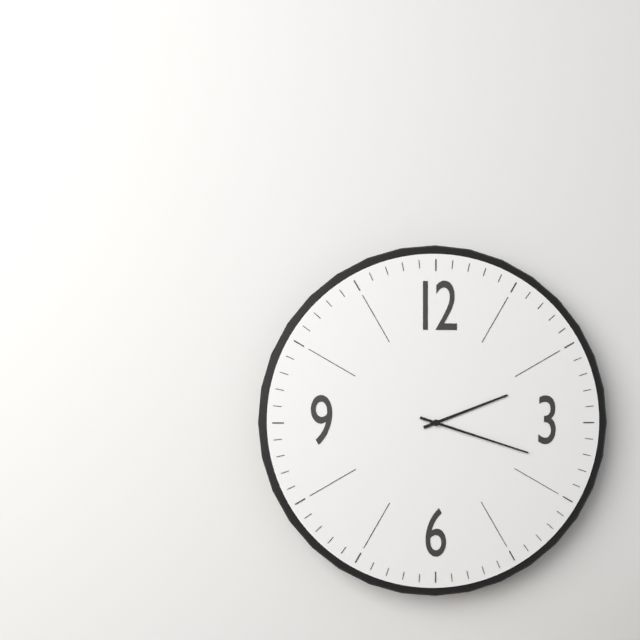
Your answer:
{"hour": 2, "minute": 18}
